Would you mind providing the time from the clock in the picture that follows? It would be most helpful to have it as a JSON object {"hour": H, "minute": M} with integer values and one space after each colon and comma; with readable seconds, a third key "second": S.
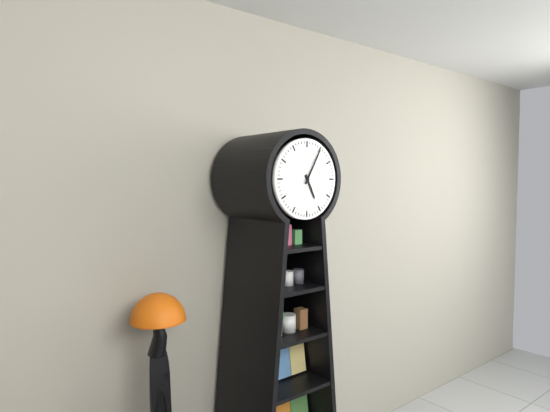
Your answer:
{"hour": 5, "minute": 5}
